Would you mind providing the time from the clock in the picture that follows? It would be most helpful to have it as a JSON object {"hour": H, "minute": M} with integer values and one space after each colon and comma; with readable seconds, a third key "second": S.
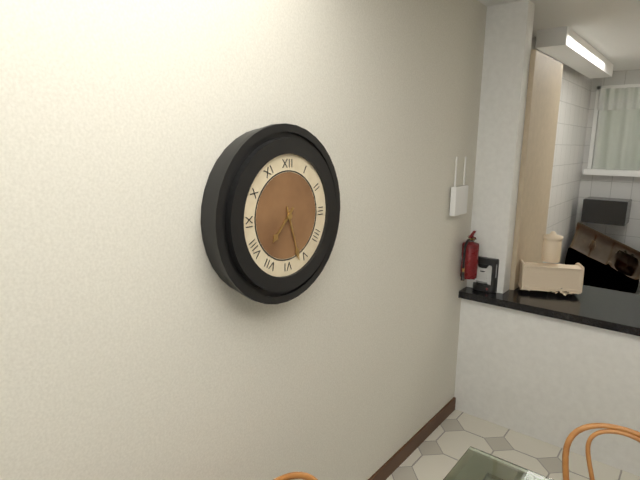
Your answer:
{"hour": 7, "minute": 27}
